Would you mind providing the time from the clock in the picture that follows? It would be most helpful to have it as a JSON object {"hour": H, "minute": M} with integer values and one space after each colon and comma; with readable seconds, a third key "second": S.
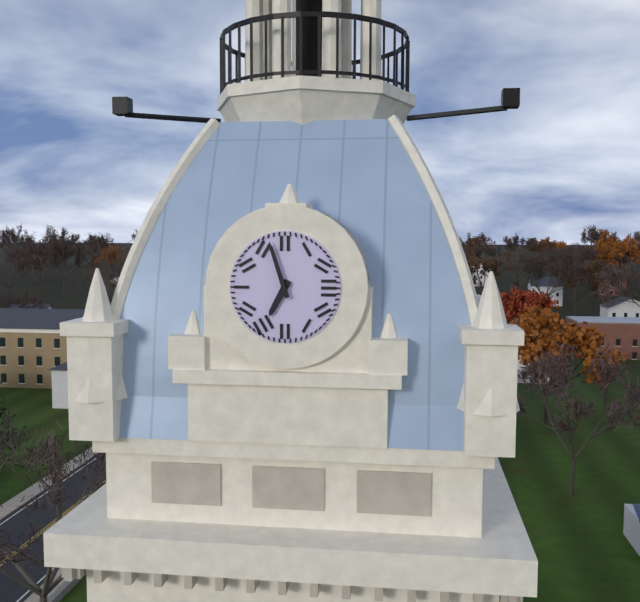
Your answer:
{"hour": 6, "minute": 57}
